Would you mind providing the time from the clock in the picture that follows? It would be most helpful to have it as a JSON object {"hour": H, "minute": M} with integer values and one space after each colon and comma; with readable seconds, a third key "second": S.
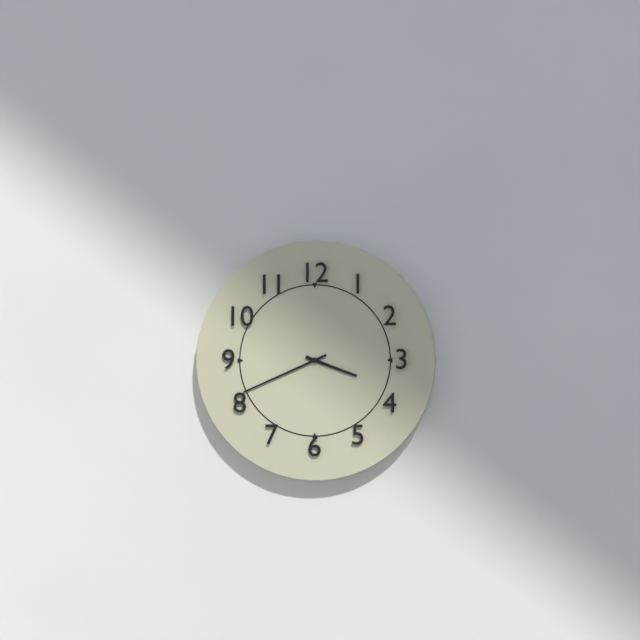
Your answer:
{"hour": 3, "minute": 41}
